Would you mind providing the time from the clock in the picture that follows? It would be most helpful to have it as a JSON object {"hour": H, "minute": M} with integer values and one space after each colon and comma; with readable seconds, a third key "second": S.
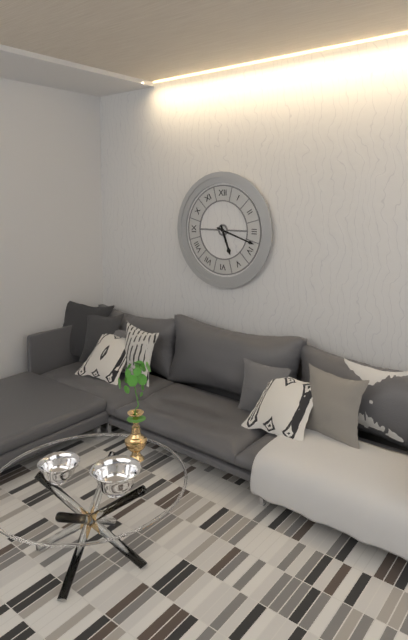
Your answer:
{"hour": 5, "minute": 18}
